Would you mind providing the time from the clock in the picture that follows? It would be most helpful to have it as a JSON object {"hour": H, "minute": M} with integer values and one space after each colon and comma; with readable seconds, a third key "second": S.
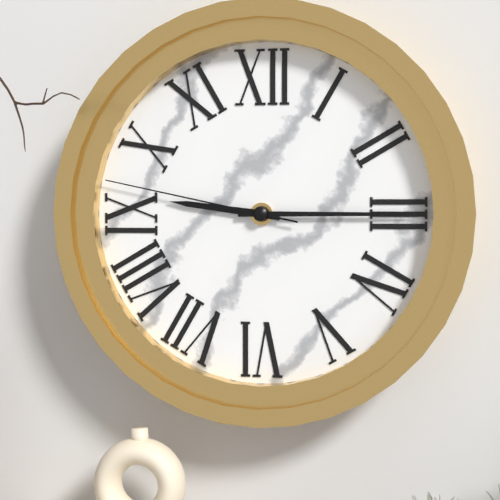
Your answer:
{"hour": 9, "minute": 15, "second": 47}
